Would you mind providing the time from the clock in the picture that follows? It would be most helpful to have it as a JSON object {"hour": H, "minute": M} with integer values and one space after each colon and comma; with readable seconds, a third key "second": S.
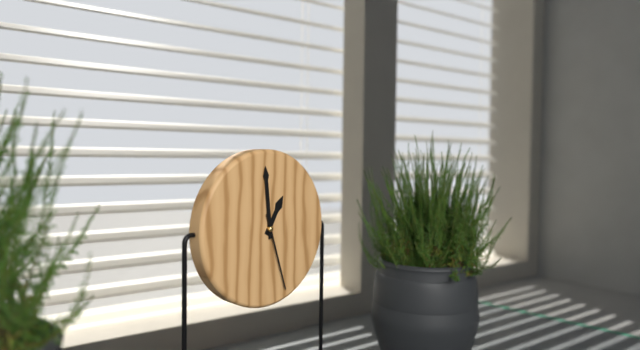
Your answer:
{"hour": 12, "minute": 59, "second": 27}
